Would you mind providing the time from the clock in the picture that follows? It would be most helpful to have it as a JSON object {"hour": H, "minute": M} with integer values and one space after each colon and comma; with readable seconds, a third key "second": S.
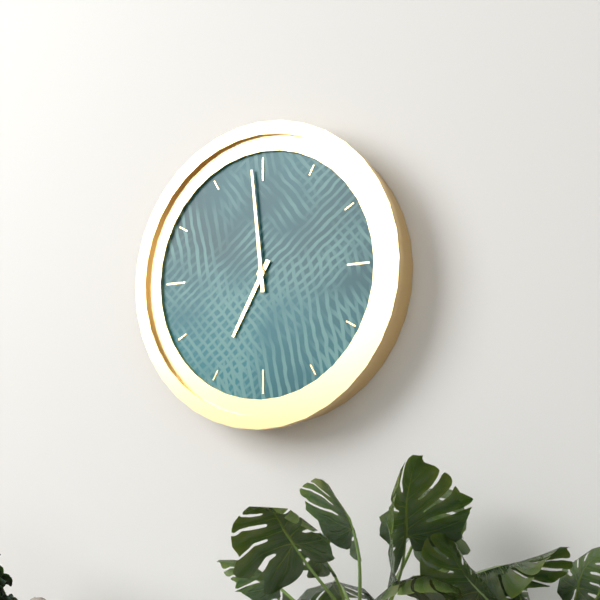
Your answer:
{"hour": 6, "minute": 59}
